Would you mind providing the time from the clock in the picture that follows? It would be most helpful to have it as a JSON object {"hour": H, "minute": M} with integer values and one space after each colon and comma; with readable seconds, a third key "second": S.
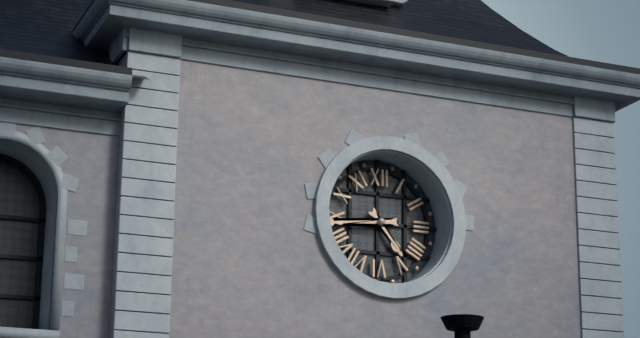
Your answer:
{"hour": 4, "minute": 44}
